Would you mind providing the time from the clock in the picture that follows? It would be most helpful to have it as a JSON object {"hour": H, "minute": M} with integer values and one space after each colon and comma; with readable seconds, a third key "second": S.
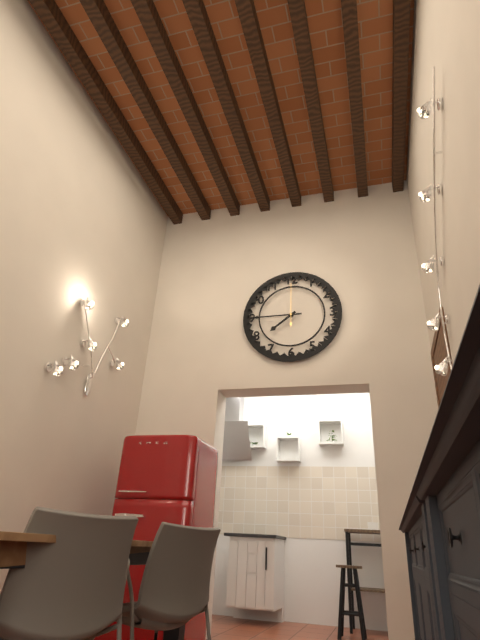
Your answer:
{"hour": 7, "minute": 45}
